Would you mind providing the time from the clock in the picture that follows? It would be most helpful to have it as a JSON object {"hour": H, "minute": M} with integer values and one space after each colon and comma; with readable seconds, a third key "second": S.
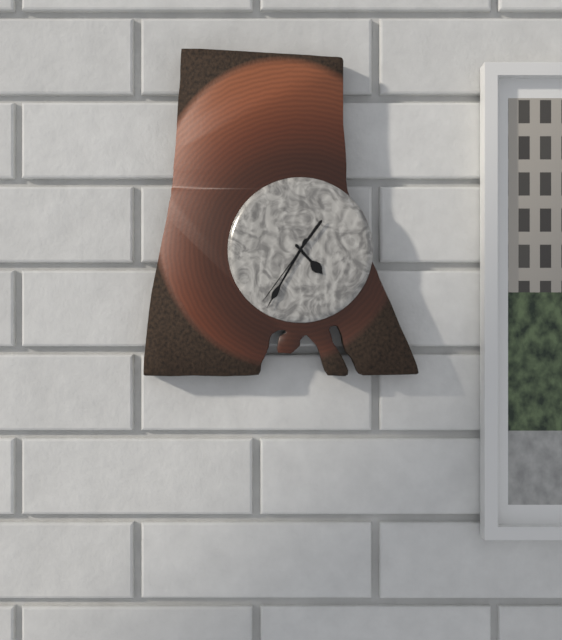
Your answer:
{"hour": 4, "minute": 35, "second": 36}
